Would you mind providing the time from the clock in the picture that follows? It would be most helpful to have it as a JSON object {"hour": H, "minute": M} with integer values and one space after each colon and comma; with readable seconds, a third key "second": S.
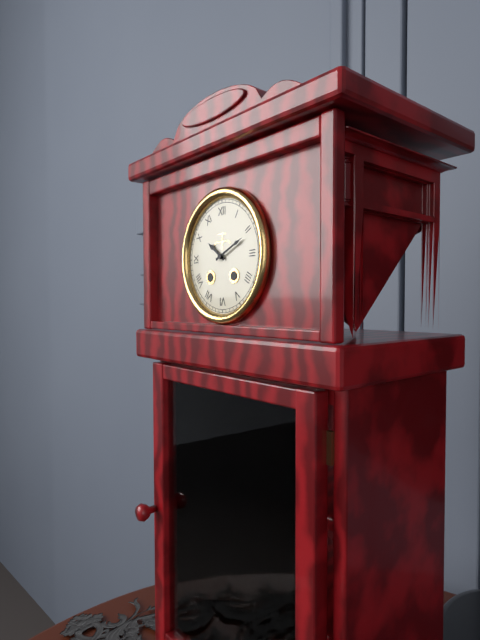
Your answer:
{"hour": 10, "minute": 11}
